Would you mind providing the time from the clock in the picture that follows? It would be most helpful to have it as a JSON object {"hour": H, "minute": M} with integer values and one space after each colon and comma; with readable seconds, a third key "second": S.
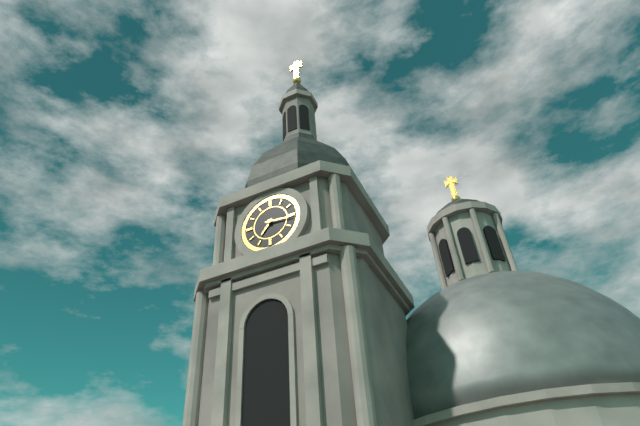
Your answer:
{"hour": 7, "minute": 16}
